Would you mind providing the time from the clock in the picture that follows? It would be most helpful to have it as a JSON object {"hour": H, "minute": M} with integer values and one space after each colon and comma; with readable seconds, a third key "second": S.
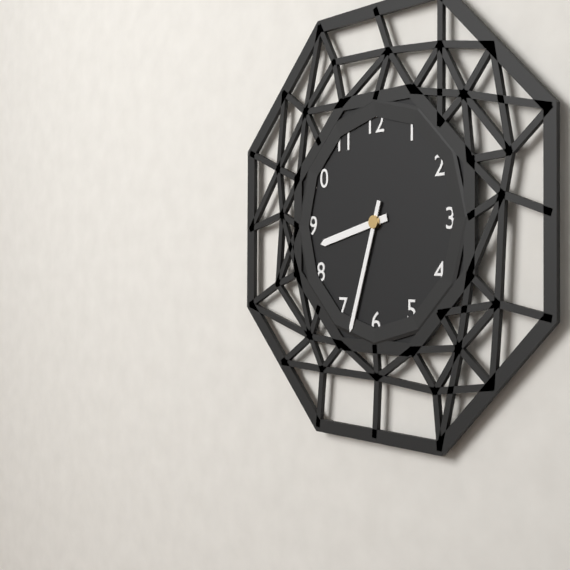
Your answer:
{"hour": 8, "minute": 33}
